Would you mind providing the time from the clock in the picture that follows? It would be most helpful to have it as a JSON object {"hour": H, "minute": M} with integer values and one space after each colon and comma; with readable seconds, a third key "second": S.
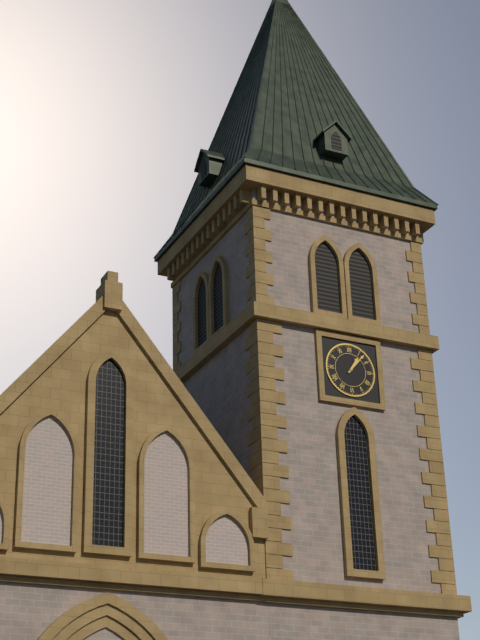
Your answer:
{"hour": 1, "minute": 7}
